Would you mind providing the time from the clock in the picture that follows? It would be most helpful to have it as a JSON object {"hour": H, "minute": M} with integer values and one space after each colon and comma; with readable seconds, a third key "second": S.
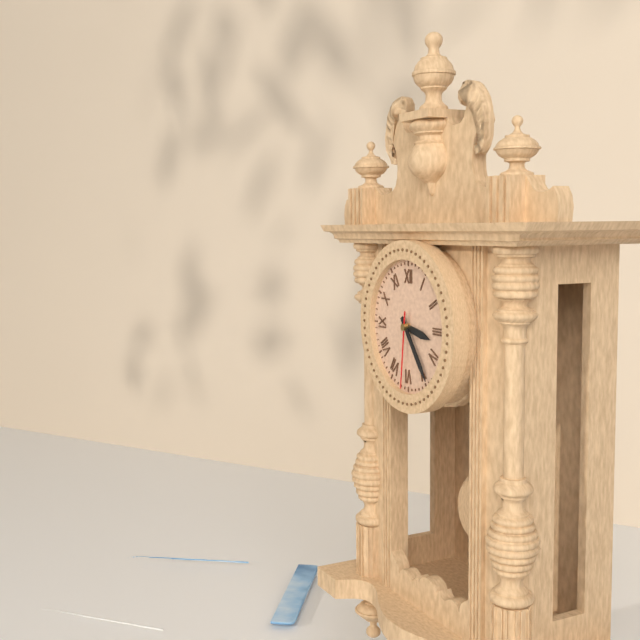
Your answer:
{"hour": 3, "minute": 24, "second": 31}
